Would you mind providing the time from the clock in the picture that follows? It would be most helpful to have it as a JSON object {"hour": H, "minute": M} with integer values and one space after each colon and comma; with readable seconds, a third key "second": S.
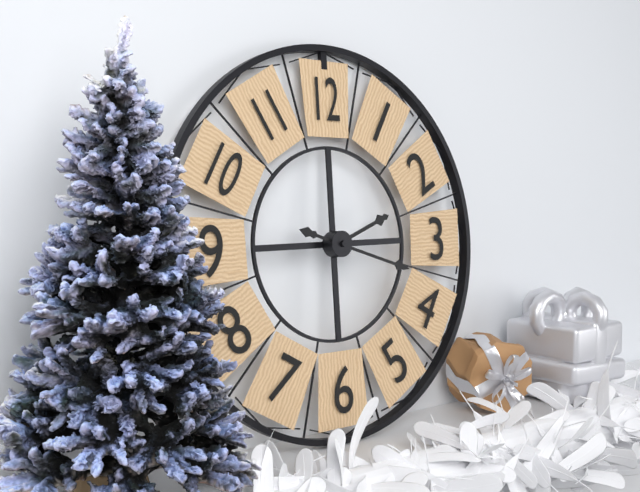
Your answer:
{"hour": 2, "minute": 18}
